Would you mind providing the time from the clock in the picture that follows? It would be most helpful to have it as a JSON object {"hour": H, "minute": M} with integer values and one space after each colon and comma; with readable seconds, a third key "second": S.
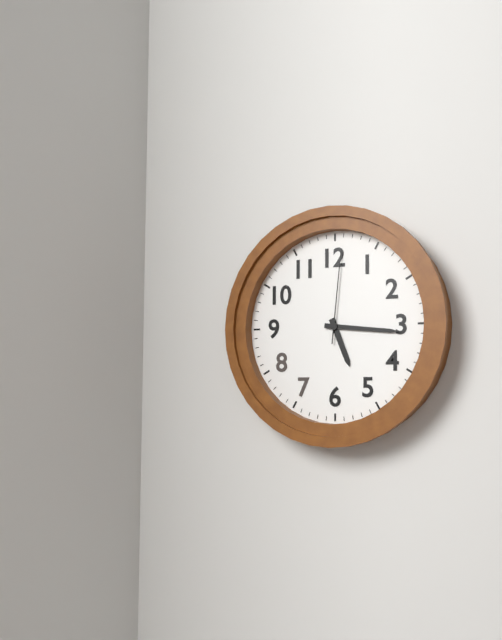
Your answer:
{"hour": 5, "minute": 16, "second": 1}
